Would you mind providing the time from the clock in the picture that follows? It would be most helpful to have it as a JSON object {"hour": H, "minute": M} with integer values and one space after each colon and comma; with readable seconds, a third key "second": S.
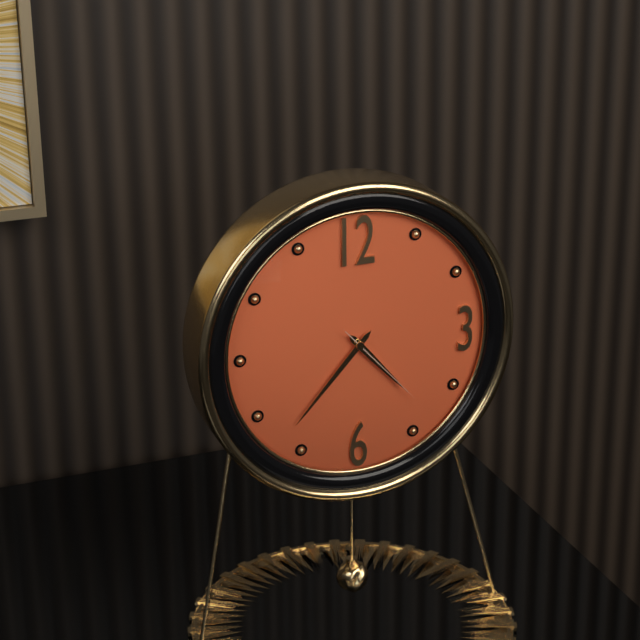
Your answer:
{"hour": 4, "minute": 37, "second": 23}
